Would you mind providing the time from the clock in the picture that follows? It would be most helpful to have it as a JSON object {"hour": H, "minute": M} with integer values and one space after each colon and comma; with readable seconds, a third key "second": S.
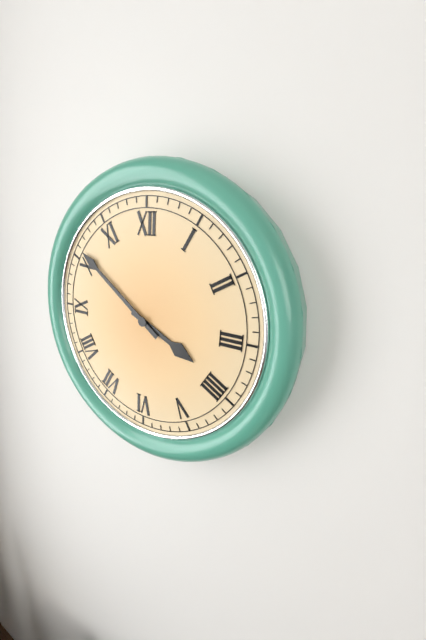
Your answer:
{"hour": 3, "minute": 51}
